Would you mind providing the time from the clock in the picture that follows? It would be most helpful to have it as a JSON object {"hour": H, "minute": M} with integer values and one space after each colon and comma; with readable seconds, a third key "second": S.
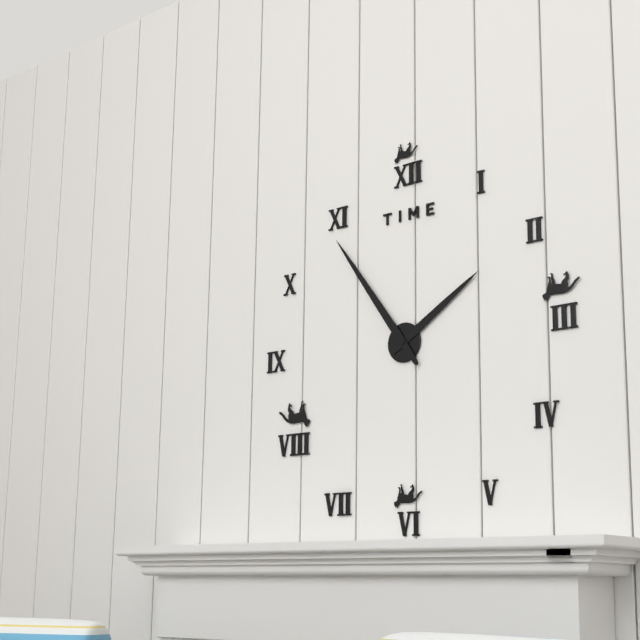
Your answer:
{"hour": 1, "minute": 54}
